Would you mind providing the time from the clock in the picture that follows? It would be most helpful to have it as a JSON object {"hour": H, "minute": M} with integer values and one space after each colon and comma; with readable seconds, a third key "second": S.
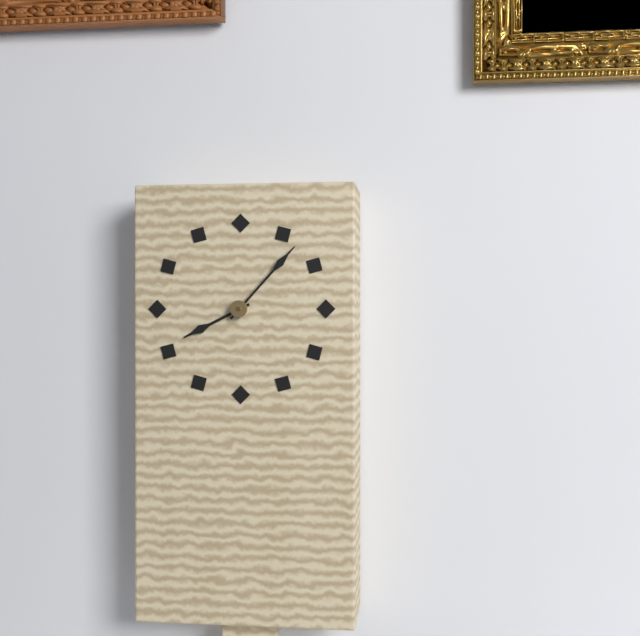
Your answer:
{"hour": 8, "minute": 7}
